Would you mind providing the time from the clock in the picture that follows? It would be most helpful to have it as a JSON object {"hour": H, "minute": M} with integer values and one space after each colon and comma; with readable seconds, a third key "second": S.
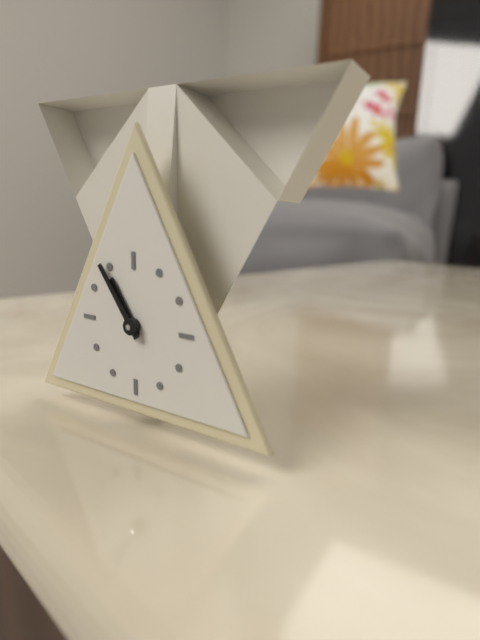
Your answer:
{"hour": 10, "minute": 54}
